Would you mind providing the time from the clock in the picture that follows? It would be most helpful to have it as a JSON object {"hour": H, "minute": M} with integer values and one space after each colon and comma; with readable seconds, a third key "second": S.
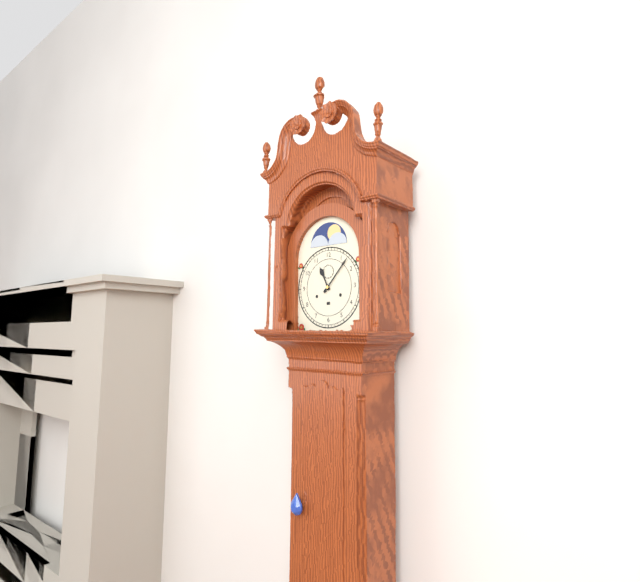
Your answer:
{"hour": 11, "minute": 7}
